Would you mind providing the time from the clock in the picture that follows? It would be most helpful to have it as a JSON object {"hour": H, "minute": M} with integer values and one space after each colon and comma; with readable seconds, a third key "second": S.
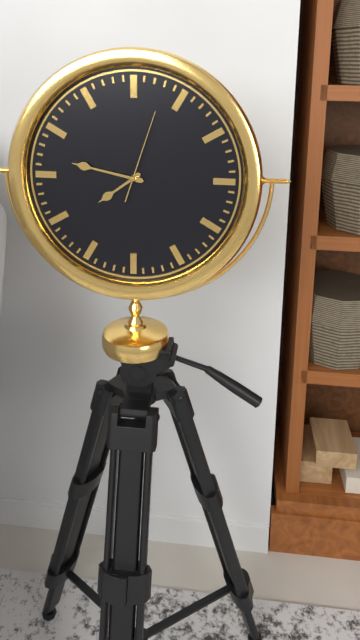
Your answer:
{"hour": 7, "minute": 47, "second": 3}
